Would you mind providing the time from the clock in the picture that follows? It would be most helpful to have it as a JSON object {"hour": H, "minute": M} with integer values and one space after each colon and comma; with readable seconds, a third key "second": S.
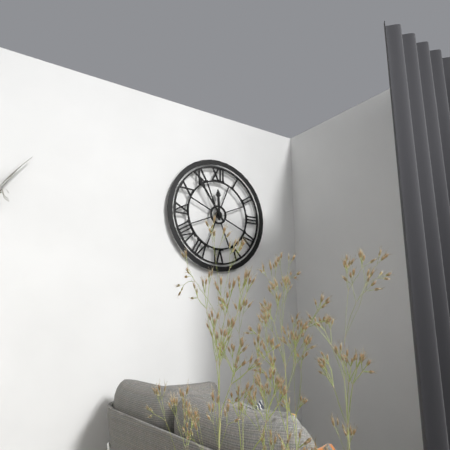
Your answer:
{"hour": 11, "minute": 54}
